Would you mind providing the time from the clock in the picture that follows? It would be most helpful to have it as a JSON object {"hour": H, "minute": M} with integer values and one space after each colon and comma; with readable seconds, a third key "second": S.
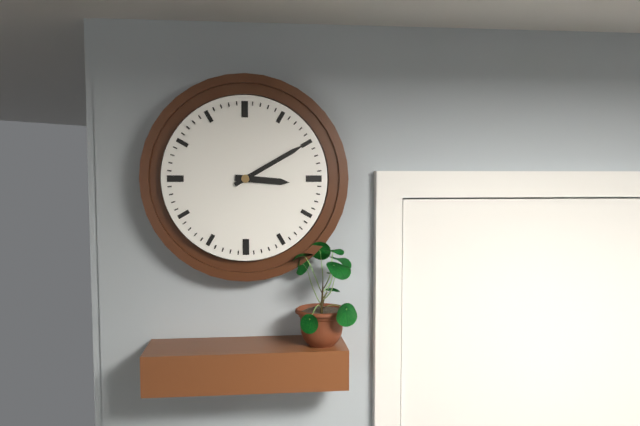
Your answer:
{"hour": 3, "minute": 10}
